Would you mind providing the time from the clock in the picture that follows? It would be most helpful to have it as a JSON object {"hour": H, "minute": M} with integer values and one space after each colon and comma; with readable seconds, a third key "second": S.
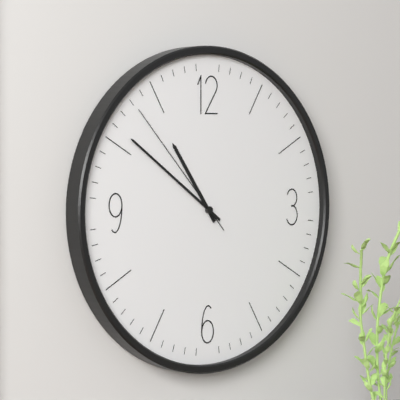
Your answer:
{"hour": 10, "minute": 51, "second": 53}
